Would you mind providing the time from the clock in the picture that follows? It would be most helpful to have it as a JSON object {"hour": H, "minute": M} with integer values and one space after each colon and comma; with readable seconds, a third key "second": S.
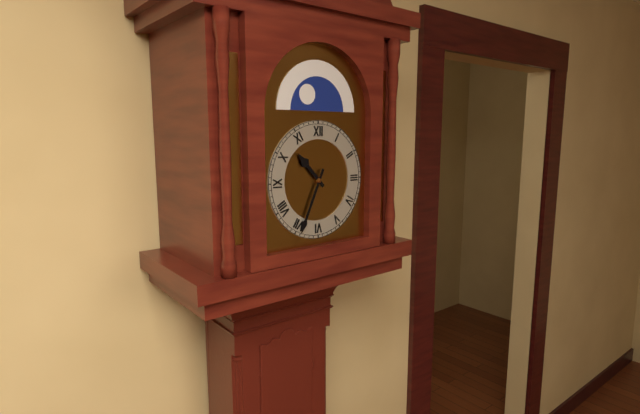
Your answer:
{"hour": 10, "minute": 34}
